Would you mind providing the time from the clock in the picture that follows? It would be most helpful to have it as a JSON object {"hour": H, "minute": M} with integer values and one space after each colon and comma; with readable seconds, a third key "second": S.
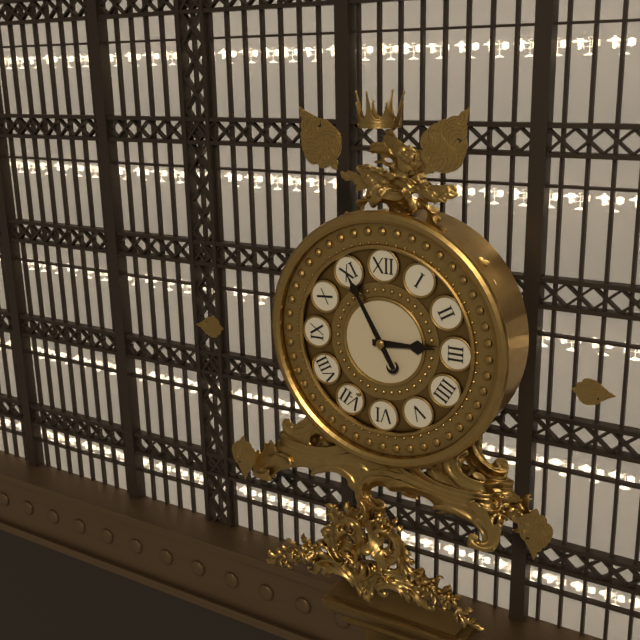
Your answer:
{"hour": 2, "minute": 55}
